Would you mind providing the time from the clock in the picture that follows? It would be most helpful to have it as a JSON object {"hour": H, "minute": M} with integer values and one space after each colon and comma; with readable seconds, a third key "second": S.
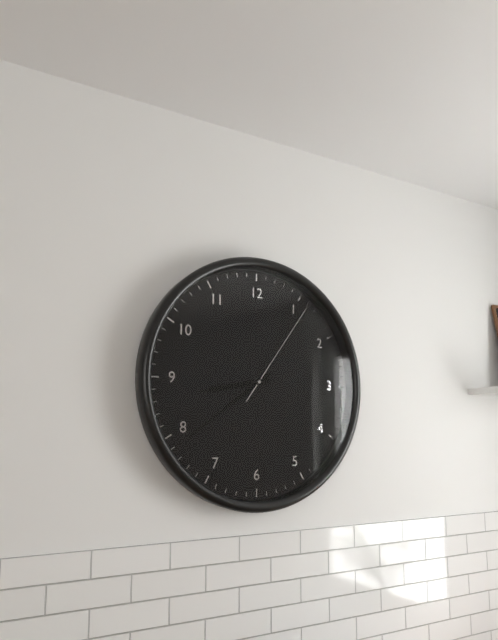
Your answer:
{"hour": 8, "minute": 39, "second": 6}
